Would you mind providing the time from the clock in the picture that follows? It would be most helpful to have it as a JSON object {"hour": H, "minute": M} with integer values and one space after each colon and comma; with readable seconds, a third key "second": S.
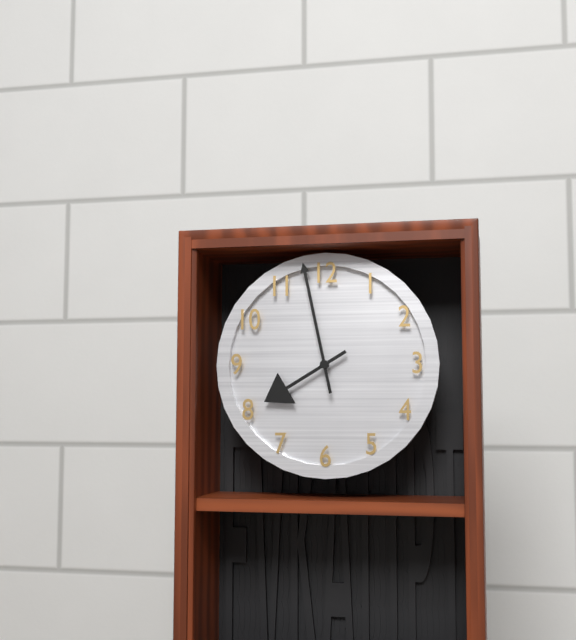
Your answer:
{"hour": 7, "minute": 58}
